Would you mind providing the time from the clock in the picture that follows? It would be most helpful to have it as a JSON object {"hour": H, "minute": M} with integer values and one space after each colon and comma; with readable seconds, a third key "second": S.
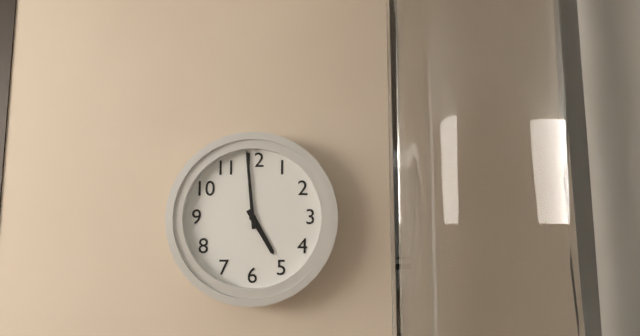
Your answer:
{"hour": 4, "minute": 59}
